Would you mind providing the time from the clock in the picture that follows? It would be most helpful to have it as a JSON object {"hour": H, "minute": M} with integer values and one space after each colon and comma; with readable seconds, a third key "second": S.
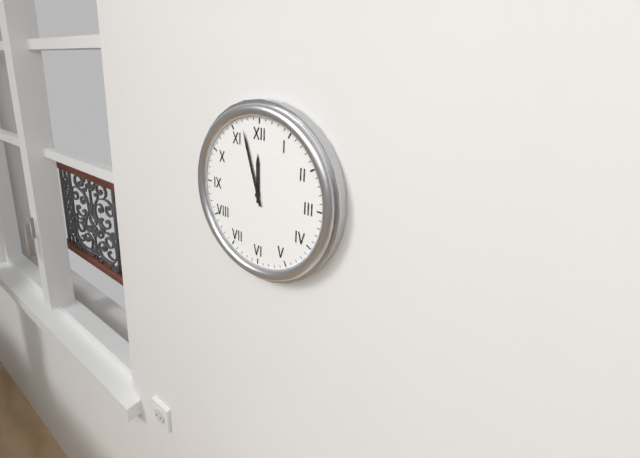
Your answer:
{"hour": 11, "minute": 57}
